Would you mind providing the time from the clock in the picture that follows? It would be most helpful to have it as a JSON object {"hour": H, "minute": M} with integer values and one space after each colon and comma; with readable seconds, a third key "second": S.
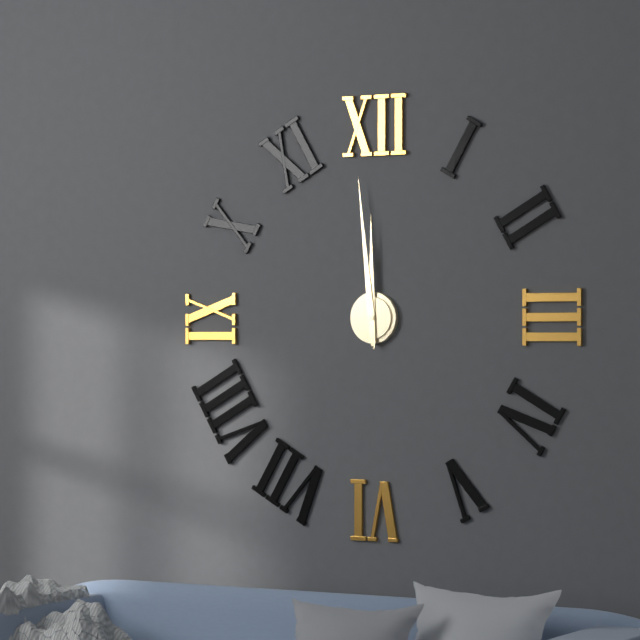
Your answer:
{"hour": 11, "minute": 59}
